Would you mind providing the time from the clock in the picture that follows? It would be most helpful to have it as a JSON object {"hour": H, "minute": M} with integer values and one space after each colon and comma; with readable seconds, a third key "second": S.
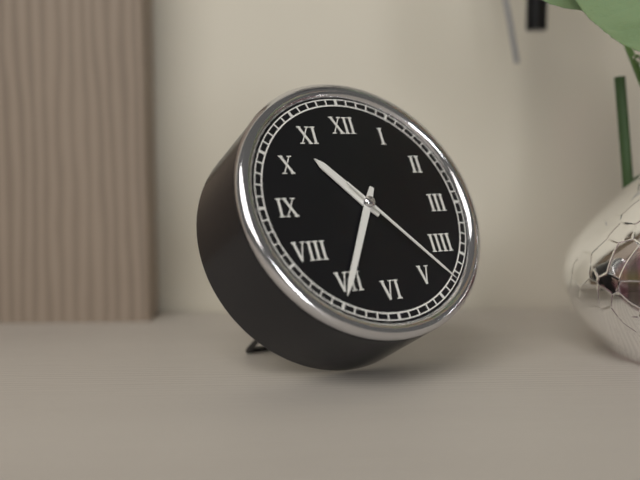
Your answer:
{"hour": 10, "minute": 35, "second": 23}
